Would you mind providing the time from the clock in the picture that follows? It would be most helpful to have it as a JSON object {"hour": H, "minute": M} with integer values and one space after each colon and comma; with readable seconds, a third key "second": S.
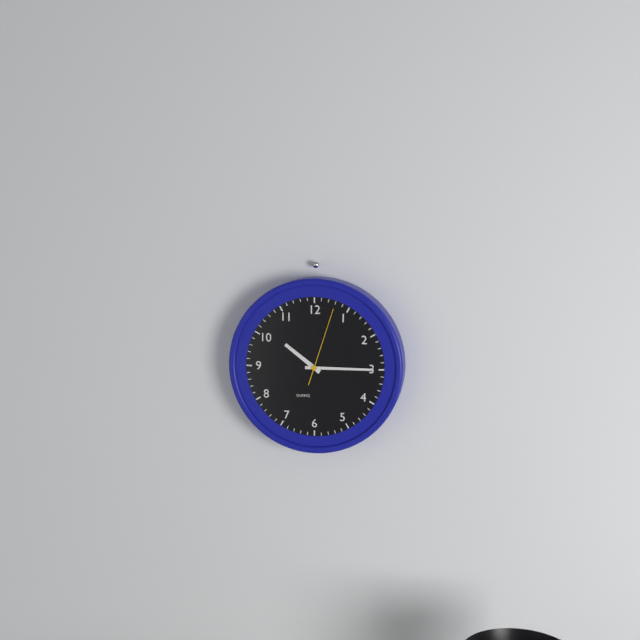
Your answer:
{"hour": 10, "minute": 15, "second": 3}
